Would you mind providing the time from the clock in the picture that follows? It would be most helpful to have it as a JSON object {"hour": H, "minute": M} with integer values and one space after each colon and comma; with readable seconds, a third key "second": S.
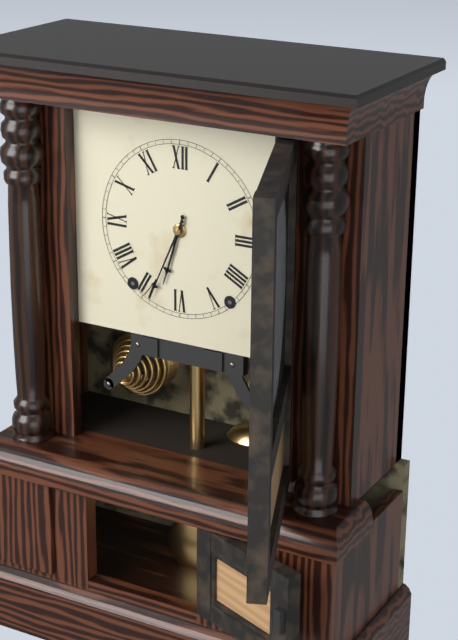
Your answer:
{"hour": 6, "minute": 34}
